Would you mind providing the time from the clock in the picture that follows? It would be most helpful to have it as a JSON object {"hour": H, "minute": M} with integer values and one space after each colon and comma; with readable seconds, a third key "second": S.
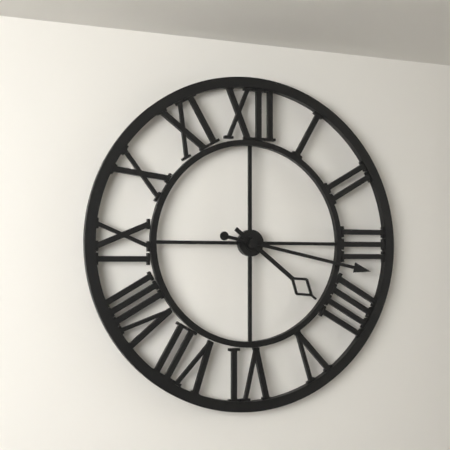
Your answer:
{"hour": 4, "minute": 17}
